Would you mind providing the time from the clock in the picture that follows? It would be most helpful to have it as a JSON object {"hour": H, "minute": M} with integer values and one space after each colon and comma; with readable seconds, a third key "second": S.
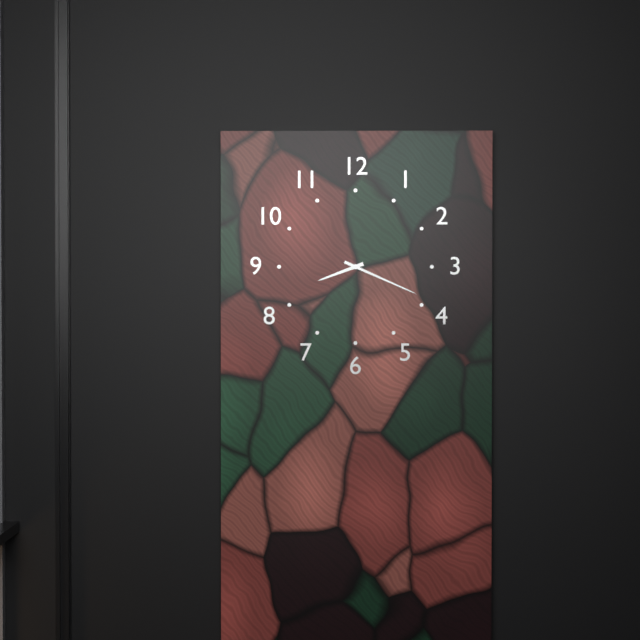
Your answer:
{"hour": 8, "minute": 19}
